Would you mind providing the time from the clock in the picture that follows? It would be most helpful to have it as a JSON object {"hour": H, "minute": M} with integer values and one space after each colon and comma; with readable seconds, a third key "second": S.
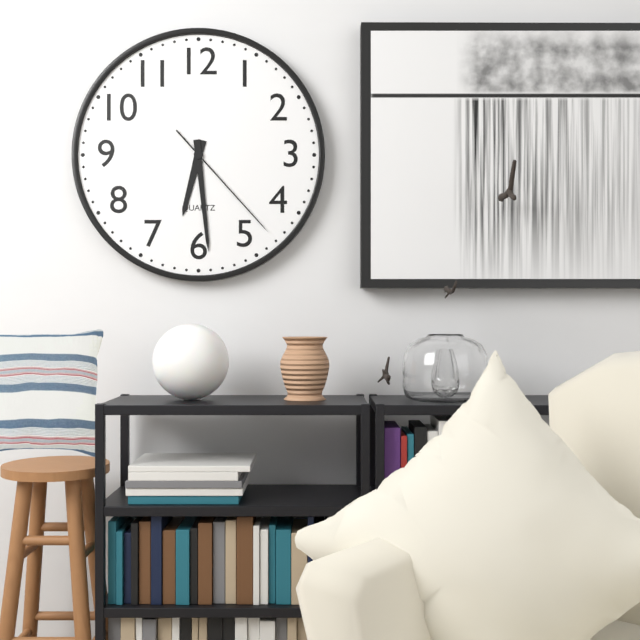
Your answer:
{"hour": 6, "minute": 29, "second": 23}
